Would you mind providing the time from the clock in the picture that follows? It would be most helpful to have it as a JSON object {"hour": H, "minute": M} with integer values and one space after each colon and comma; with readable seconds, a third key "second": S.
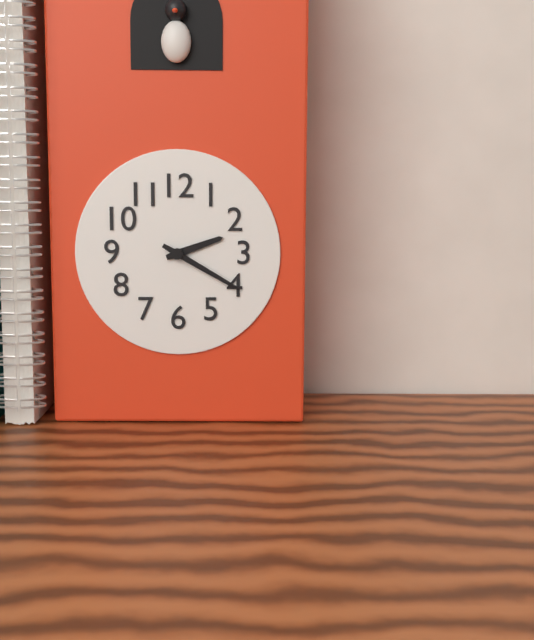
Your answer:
{"hour": 2, "minute": 20}
